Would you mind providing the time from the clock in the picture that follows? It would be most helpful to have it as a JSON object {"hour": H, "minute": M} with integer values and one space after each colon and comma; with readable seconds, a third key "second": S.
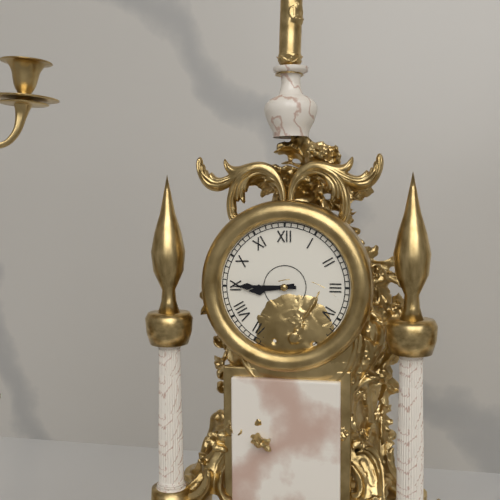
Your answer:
{"hour": 8, "minute": 45}
